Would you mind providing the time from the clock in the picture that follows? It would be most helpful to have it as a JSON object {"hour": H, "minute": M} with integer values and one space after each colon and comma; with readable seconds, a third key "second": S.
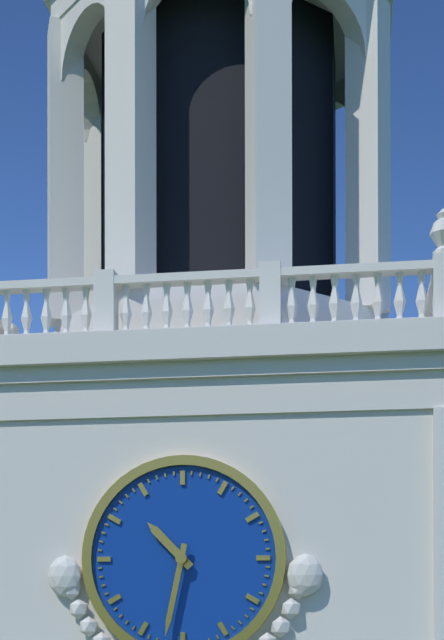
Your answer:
{"hour": 10, "minute": 32}
